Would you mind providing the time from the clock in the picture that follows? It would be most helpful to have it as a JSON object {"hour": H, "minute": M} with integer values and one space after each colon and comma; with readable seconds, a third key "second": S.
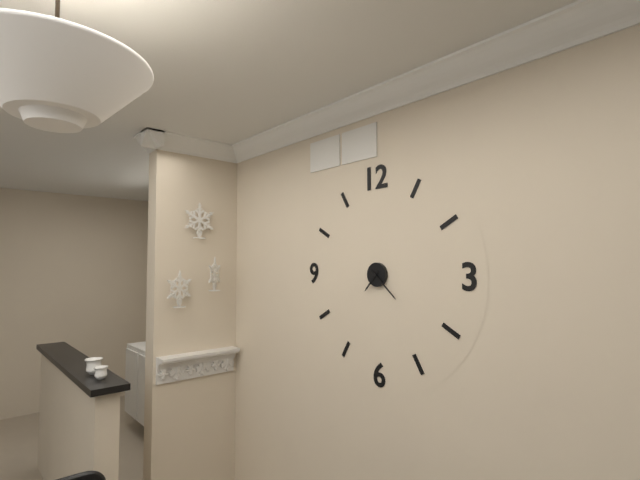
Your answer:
{"hour": 7, "minute": 22}
